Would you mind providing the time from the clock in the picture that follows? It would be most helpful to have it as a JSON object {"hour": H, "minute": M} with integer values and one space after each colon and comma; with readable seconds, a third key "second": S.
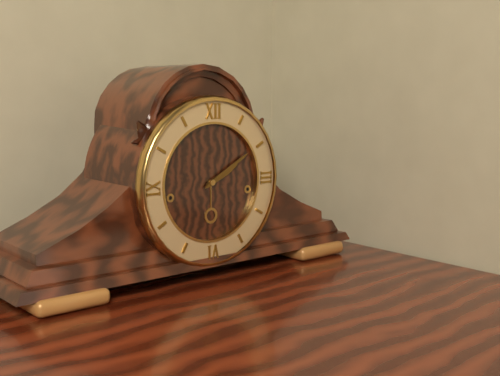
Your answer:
{"hour": 2, "minute": 10}
